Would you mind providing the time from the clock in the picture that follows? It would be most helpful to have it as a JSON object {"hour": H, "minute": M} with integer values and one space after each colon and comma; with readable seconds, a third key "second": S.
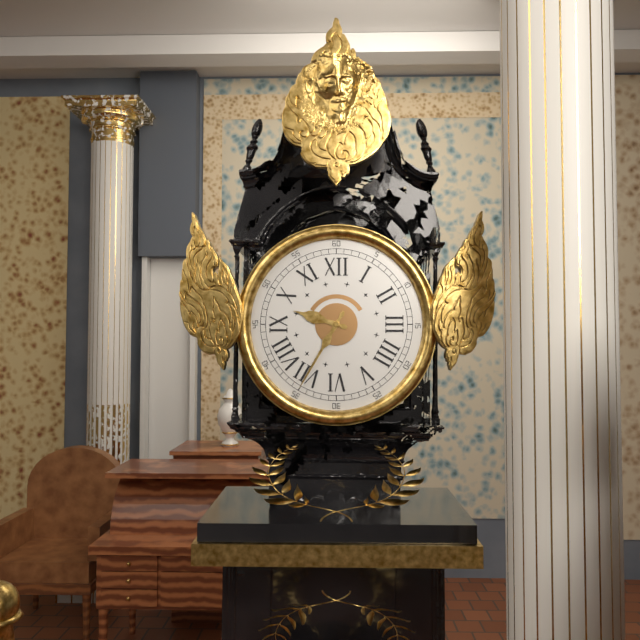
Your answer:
{"hour": 9, "minute": 35}
